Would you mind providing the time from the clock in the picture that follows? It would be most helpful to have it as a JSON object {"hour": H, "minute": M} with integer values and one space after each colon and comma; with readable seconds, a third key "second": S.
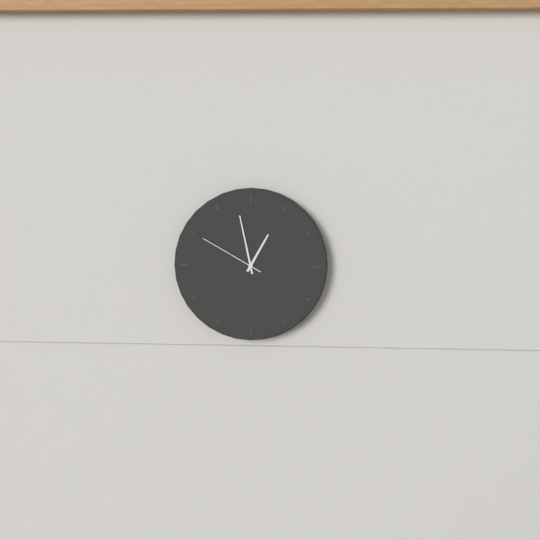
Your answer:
{"hour": 12, "minute": 58, "second": 50}
